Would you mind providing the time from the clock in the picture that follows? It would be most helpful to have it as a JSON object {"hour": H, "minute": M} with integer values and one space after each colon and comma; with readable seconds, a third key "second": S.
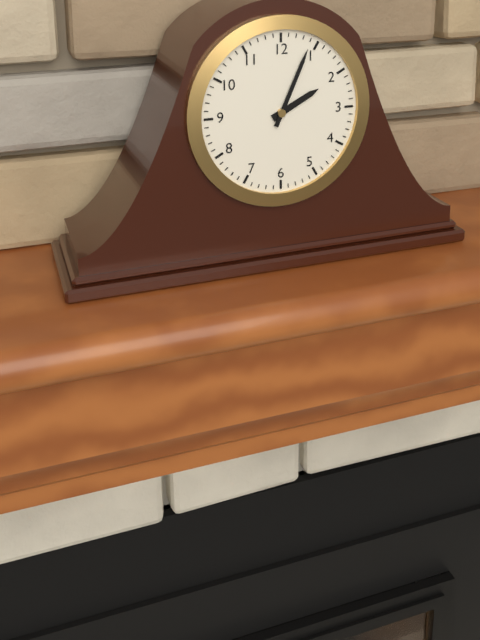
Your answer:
{"hour": 2, "minute": 4}
